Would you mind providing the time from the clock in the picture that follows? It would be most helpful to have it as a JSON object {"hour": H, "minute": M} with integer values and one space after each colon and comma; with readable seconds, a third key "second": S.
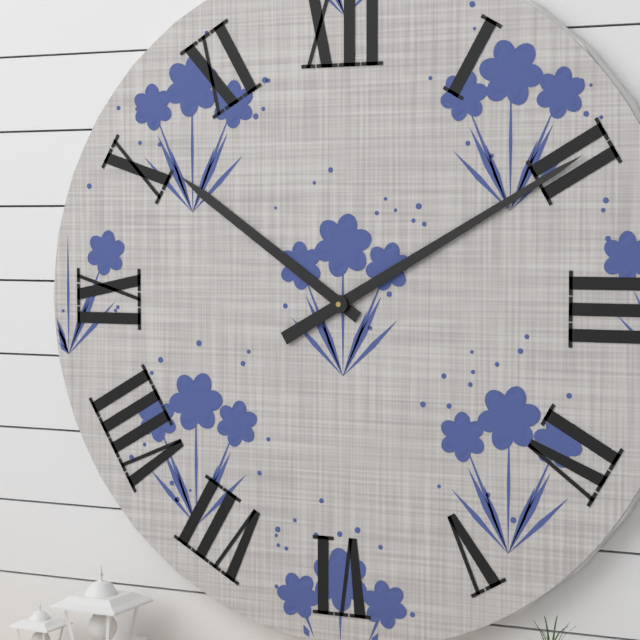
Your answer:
{"hour": 10, "minute": 10}
